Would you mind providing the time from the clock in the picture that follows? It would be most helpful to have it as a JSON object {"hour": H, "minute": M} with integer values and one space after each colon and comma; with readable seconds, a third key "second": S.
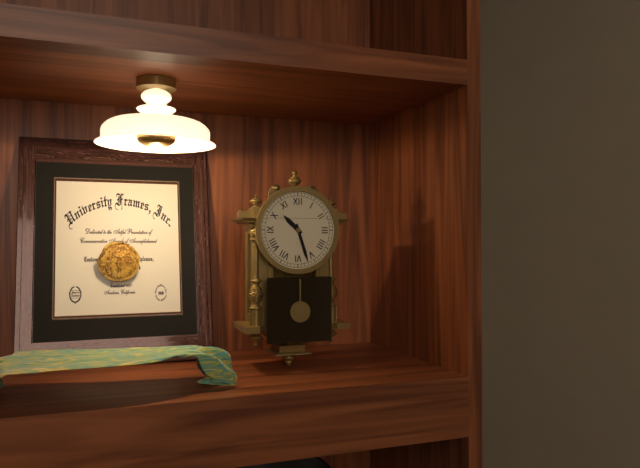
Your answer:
{"hour": 10, "minute": 27}
